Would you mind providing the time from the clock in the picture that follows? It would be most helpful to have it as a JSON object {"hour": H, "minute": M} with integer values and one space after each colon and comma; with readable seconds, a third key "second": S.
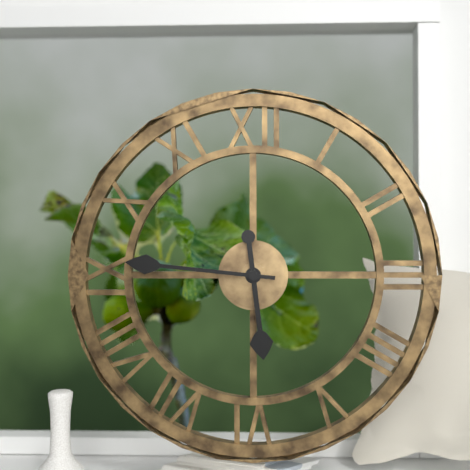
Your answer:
{"hour": 5, "minute": 46}
